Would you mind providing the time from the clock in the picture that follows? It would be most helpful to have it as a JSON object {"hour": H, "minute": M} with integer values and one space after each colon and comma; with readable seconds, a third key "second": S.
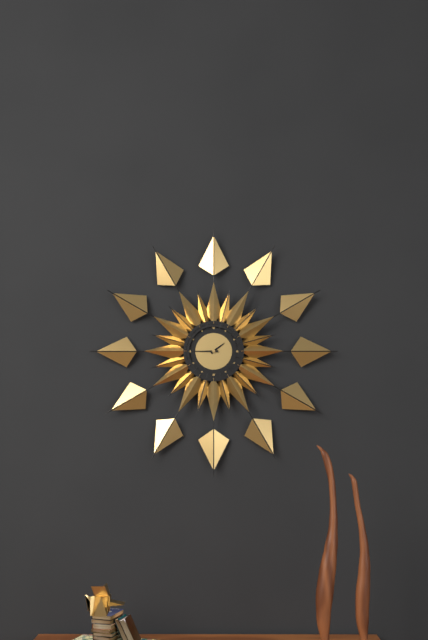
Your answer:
{"hour": 1, "minute": 45}
